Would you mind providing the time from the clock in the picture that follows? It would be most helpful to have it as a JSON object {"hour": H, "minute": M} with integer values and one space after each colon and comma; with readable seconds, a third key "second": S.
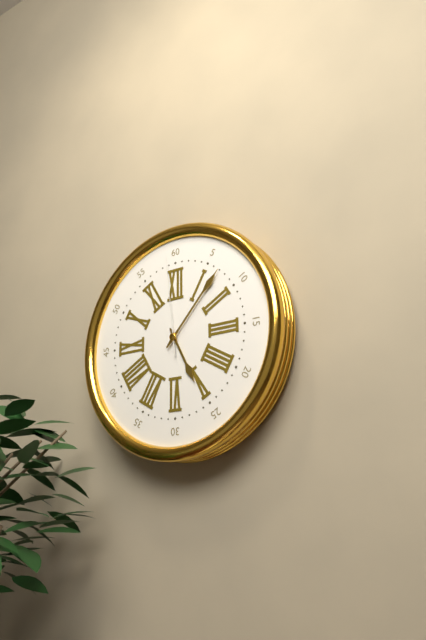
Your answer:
{"hour": 5, "minute": 7, "second": 59}
